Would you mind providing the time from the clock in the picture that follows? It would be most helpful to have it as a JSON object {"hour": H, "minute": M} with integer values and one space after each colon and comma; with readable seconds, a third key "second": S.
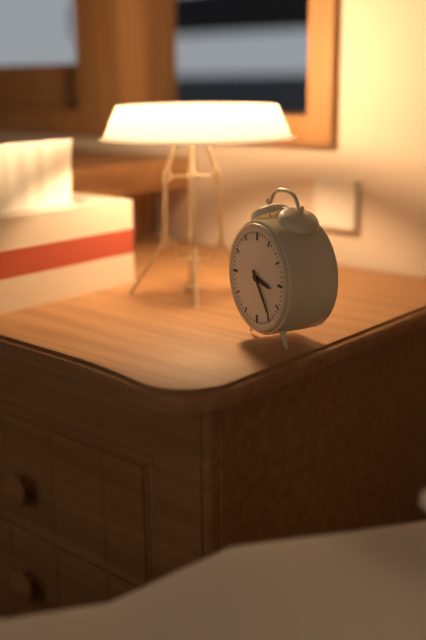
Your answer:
{"hour": 3, "minute": 24}
